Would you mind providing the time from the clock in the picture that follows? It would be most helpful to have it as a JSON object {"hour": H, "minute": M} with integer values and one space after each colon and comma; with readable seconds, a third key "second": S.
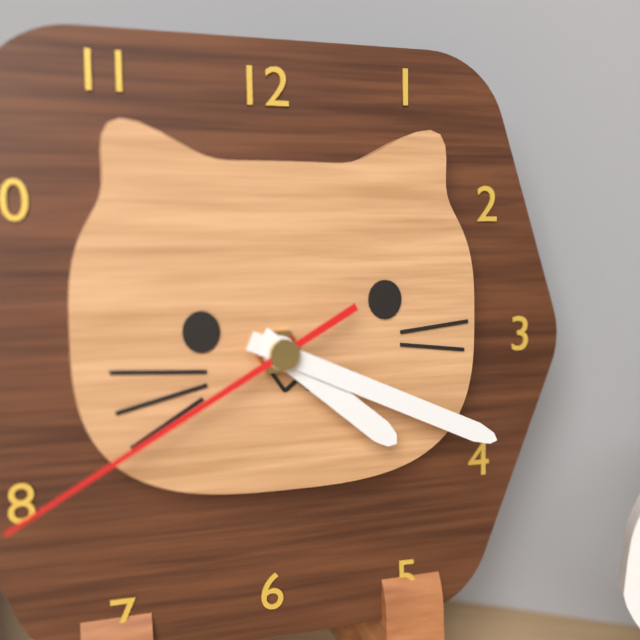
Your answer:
{"hour": 4, "minute": 19, "second": 40}
